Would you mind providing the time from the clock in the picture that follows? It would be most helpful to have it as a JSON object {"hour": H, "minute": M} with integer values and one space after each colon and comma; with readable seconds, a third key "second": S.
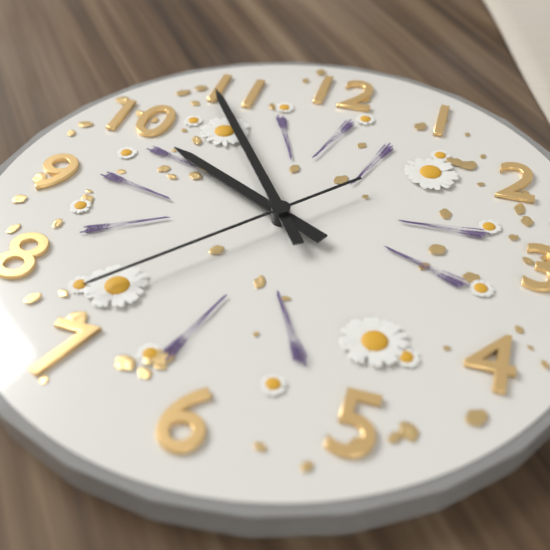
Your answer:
{"hour": 9, "minute": 54, "second": 37}
